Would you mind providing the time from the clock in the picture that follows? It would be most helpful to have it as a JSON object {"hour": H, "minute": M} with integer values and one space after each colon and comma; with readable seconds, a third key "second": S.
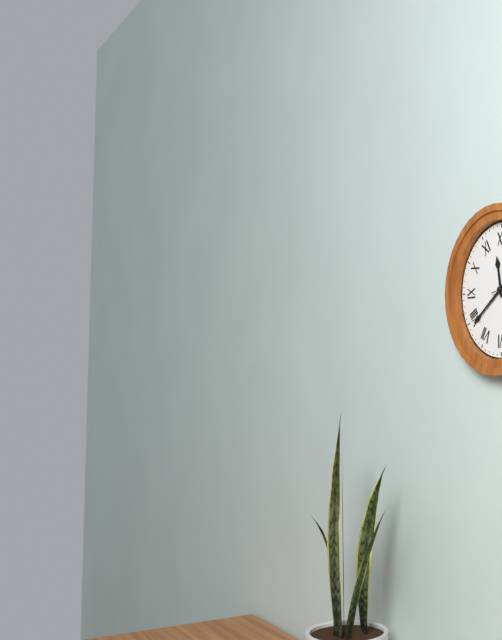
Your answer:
{"hour": 11, "minute": 39}
